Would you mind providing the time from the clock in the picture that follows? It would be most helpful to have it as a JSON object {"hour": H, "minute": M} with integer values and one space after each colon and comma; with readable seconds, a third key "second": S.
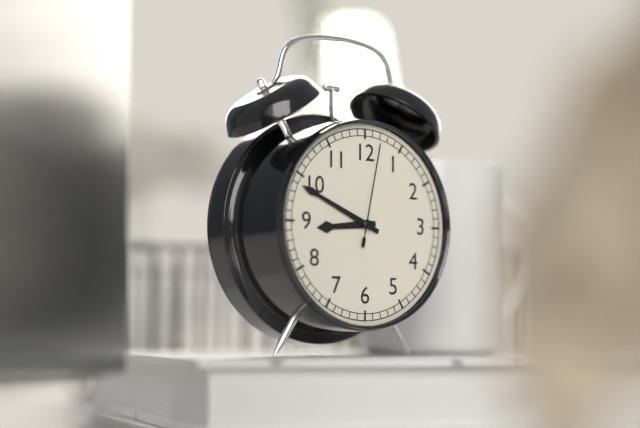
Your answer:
{"hour": 8, "minute": 49, "second": 2}
